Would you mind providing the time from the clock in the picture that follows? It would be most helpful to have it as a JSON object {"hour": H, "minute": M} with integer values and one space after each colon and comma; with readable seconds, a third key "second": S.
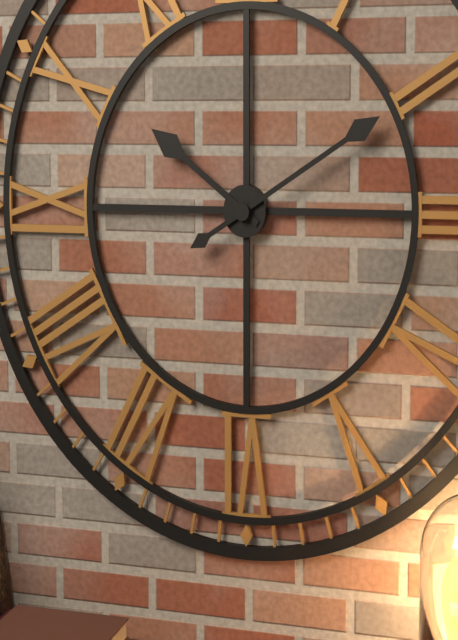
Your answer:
{"hour": 10, "minute": 10}
